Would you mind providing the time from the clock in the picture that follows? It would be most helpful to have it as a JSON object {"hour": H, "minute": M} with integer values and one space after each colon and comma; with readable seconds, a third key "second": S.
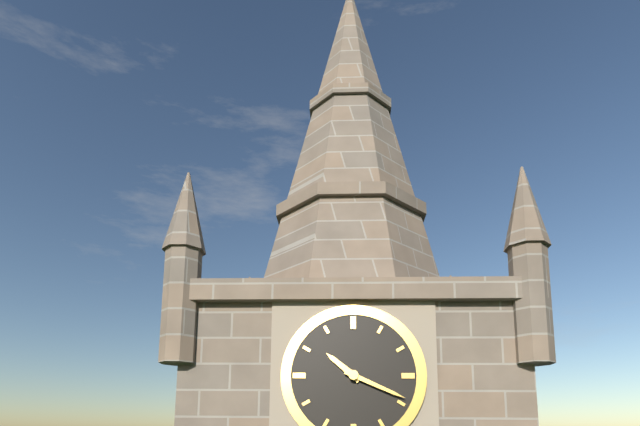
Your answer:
{"hour": 10, "minute": 19}
